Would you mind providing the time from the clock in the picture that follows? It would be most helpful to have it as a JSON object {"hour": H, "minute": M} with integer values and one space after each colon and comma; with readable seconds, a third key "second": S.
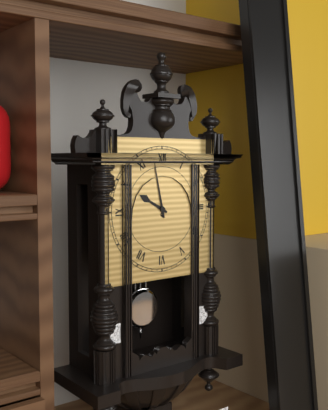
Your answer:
{"hour": 9, "minute": 58}
